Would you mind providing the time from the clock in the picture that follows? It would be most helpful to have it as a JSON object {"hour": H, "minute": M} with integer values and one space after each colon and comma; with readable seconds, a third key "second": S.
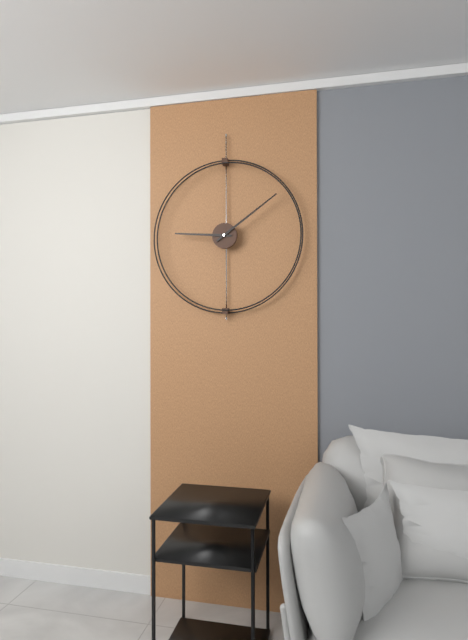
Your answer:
{"hour": 9, "minute": 9}
